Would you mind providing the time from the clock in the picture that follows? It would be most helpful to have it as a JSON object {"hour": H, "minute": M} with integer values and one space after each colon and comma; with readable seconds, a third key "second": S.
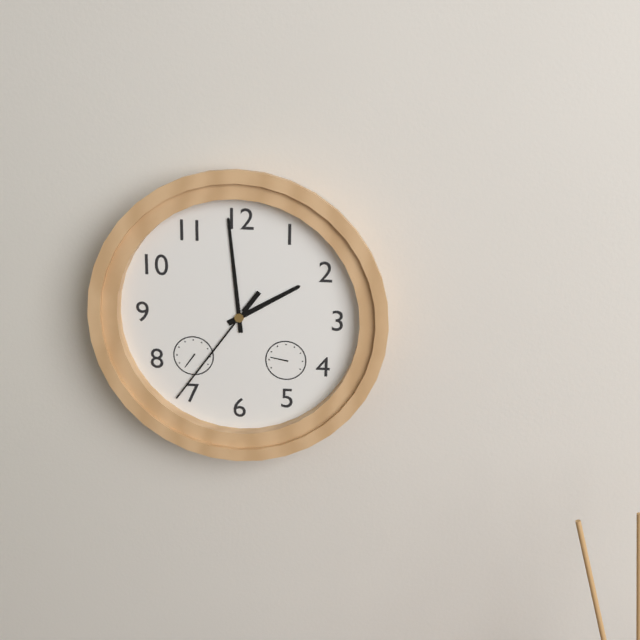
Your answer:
{"hour": 1, "minute": 59, "second": 36}
